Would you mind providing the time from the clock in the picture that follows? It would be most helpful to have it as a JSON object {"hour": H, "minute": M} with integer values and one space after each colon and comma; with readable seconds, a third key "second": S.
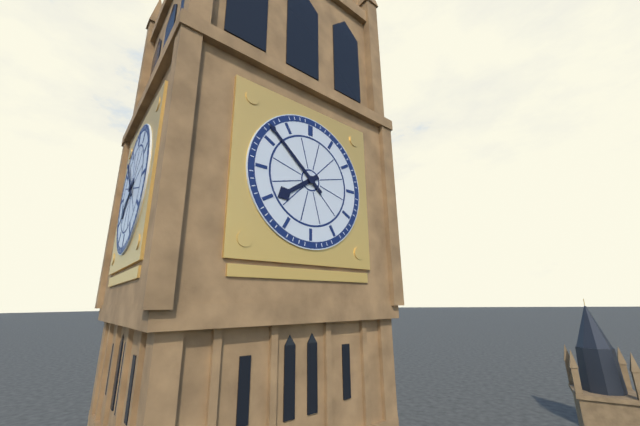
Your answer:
{"hour": 7, "minute": 52}
